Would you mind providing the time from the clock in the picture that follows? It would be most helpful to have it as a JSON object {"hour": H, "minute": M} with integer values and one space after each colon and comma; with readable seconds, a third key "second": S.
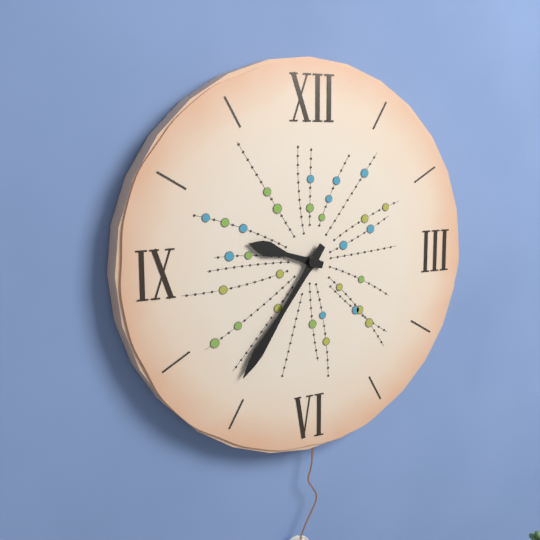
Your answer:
{"hour": 9, "minute": 36}
